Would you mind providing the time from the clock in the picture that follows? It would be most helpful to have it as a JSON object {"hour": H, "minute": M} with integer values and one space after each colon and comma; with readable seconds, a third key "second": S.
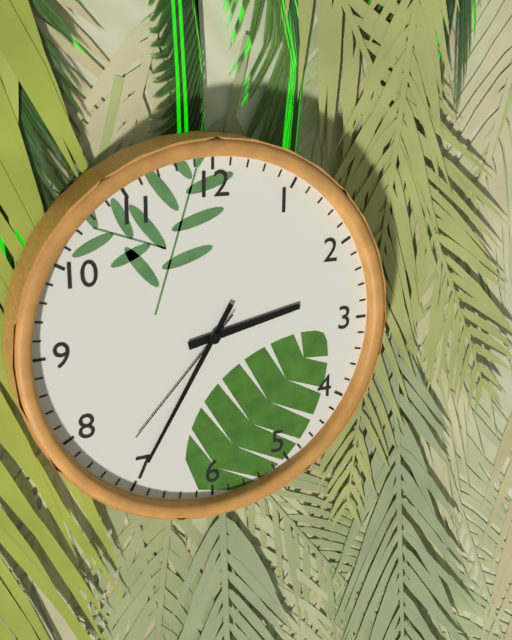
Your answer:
{"hour": 2, "minute": 35, "second": 37}
